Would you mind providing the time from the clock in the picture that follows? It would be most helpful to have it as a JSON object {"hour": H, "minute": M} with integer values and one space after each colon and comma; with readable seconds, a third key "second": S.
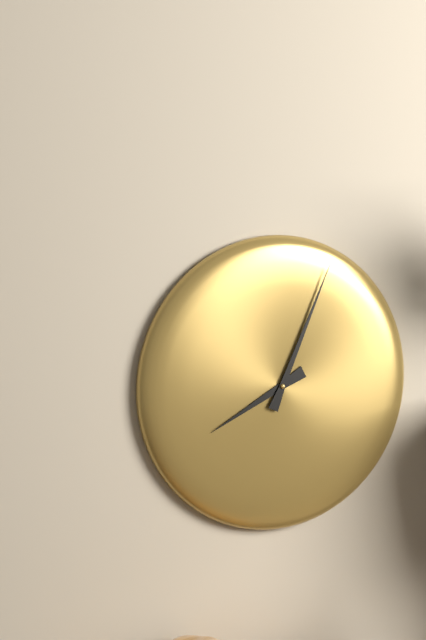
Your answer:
{"hour": 8, "minute": 4}
